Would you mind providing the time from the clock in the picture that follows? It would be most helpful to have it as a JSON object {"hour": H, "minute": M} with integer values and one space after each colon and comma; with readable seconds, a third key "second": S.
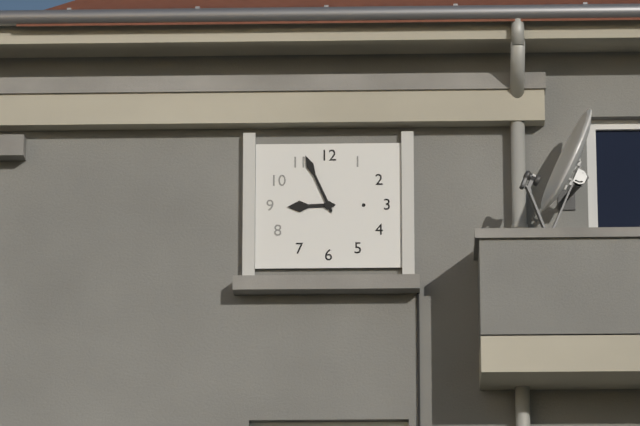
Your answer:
{"hour": 8, "minute": 56}
